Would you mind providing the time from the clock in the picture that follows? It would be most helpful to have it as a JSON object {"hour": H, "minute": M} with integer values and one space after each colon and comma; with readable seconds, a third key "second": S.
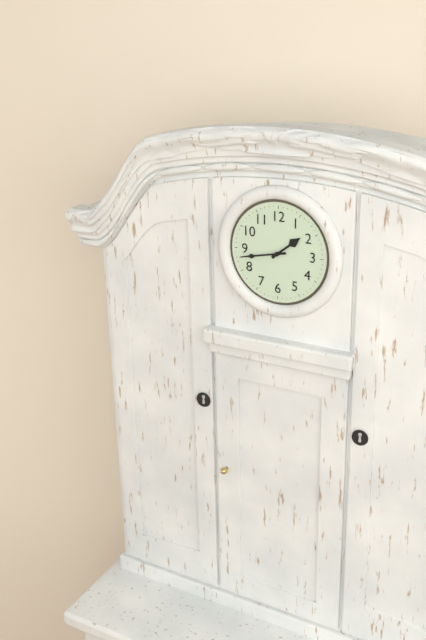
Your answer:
{"hour": 1, "minute": 43}
